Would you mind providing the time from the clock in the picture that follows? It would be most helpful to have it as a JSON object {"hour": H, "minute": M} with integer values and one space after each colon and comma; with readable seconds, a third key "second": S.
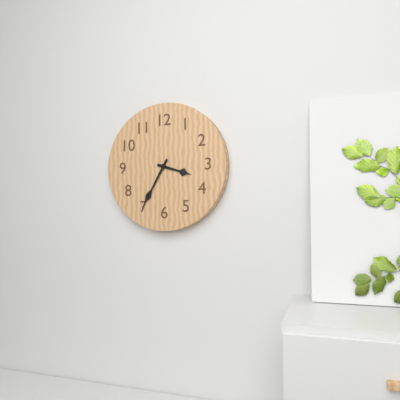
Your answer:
{"hour": 3, "minute": 35}
